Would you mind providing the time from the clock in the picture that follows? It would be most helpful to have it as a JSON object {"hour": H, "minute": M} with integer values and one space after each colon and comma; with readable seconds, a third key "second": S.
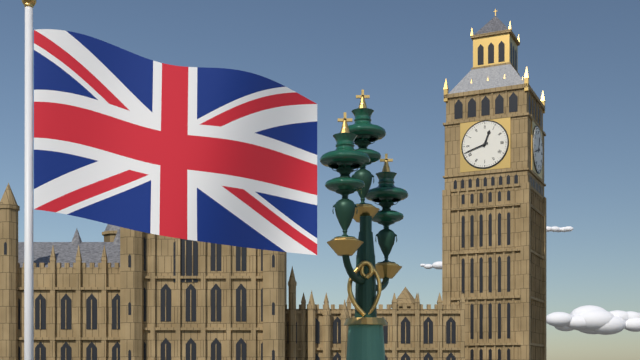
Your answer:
{"hour": 12, "minute": 42}
